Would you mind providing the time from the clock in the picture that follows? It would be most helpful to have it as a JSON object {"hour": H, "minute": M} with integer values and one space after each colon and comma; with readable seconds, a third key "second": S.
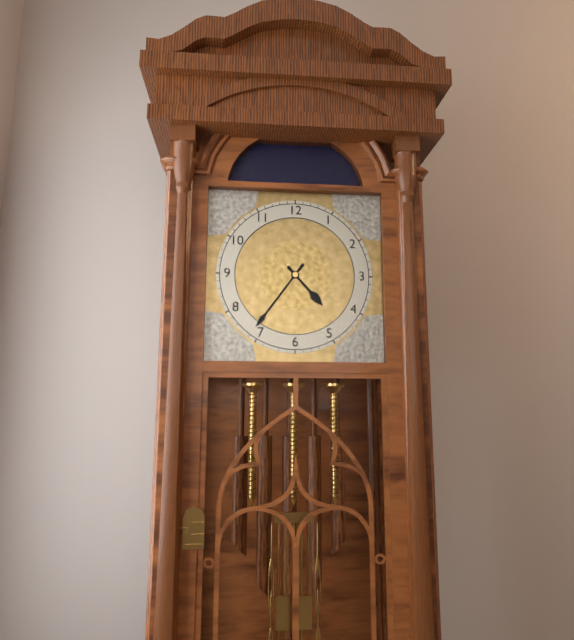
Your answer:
{"hour": 4, "minute": 36}
